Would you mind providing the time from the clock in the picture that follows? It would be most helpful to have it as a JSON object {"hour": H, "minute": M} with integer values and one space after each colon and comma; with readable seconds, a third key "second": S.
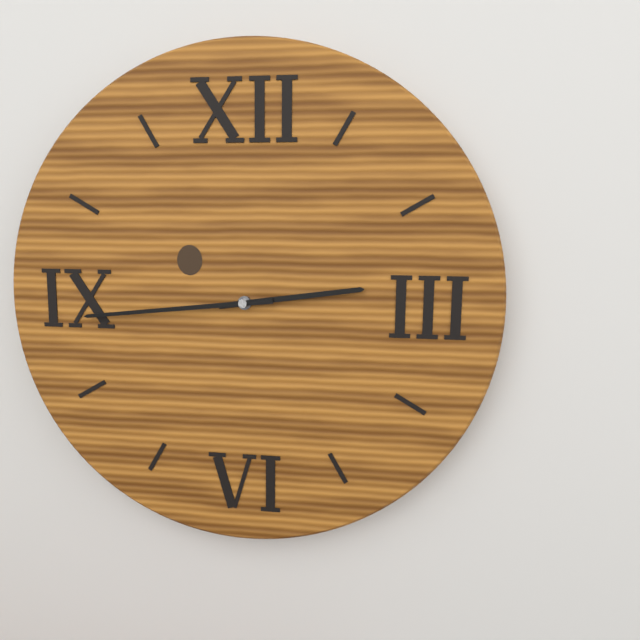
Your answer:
{"hour": 2, "minute": 44}
